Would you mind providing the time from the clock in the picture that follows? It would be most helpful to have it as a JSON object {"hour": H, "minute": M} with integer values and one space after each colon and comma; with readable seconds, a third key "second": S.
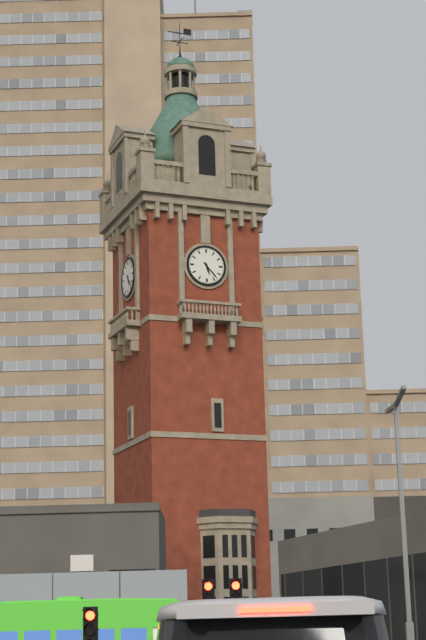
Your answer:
{"hour": 5, "minute": 23}
